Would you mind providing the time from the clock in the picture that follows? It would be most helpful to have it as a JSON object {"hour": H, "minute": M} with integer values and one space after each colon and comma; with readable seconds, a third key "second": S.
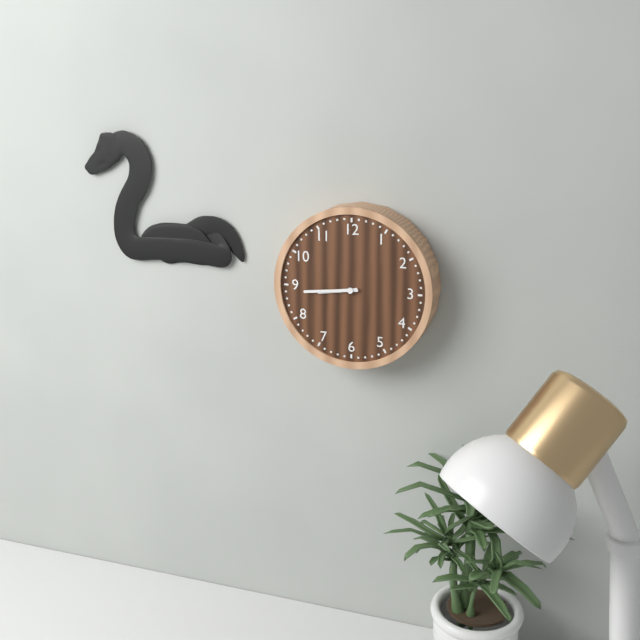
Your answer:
{"hour": 8, "minute": 44}
